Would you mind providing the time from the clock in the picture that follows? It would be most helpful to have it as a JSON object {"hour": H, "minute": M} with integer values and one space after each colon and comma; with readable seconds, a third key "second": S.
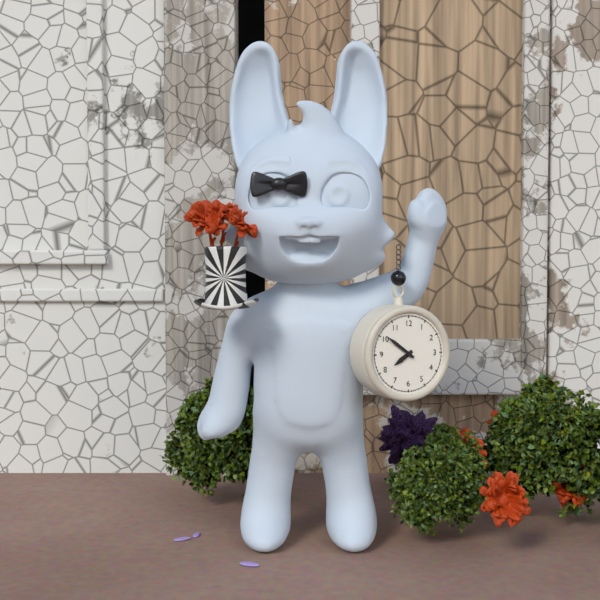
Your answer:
{"hour": 7, "minute": 51}
